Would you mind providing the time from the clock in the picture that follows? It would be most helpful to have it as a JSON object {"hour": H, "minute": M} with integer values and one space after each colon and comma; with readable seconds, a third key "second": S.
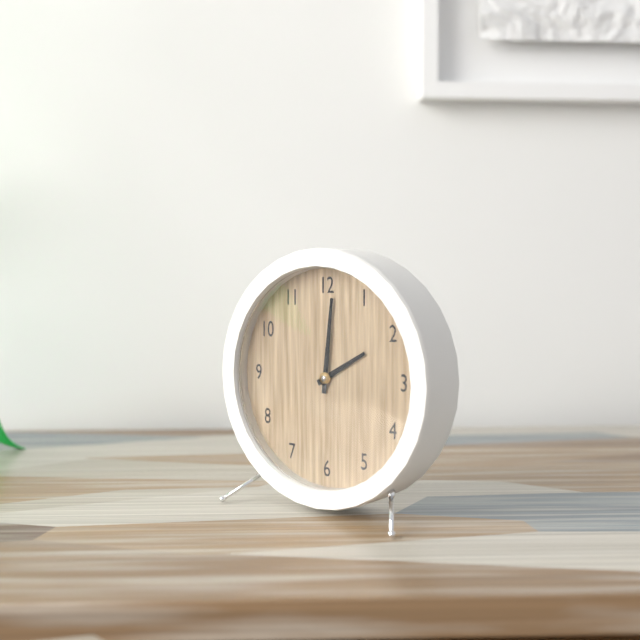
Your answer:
{"hour": 2, "minute": 1}
